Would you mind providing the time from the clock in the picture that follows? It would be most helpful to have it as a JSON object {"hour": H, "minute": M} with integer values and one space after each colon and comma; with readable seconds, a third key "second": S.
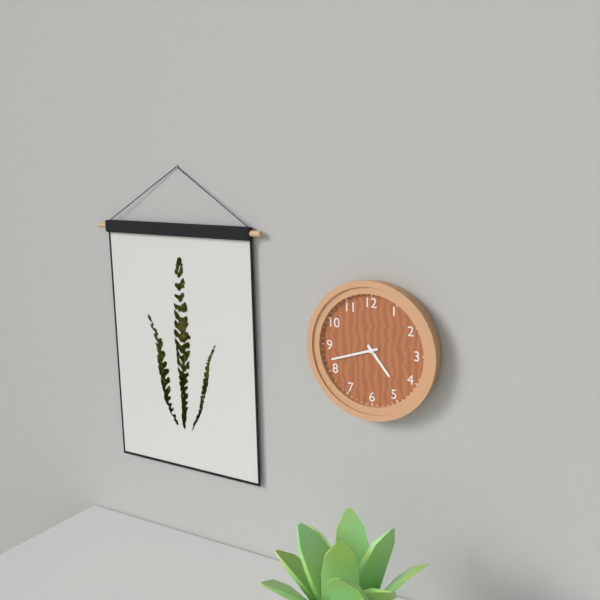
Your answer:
{"hour": 4, "minute": 42}
